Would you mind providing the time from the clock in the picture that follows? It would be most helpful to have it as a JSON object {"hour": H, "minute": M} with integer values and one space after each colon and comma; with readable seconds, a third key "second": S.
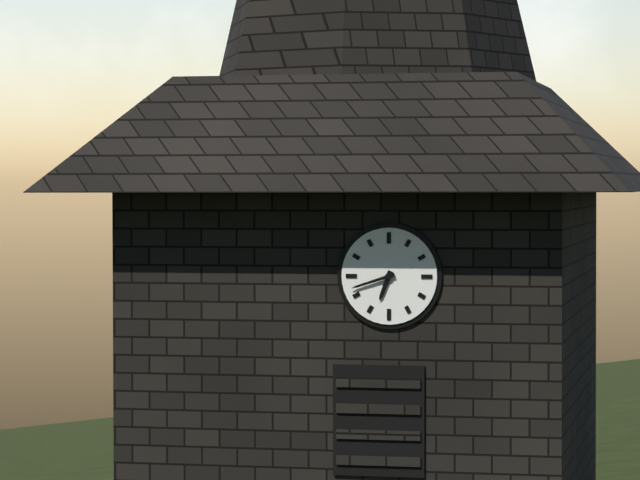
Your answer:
{"hour": 6, "minute": 42}
